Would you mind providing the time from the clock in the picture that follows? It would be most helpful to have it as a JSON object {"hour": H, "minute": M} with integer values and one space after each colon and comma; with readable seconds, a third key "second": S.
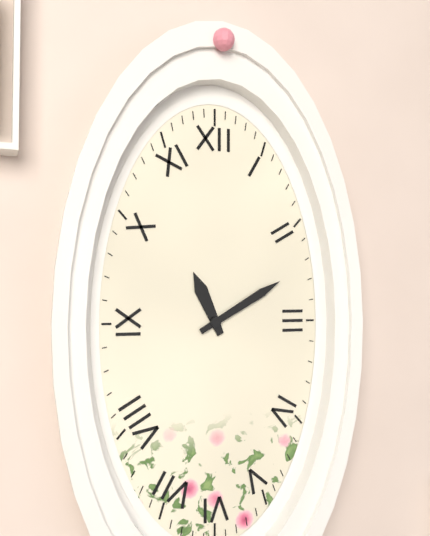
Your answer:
{"hour": 11, "minute": 10}
